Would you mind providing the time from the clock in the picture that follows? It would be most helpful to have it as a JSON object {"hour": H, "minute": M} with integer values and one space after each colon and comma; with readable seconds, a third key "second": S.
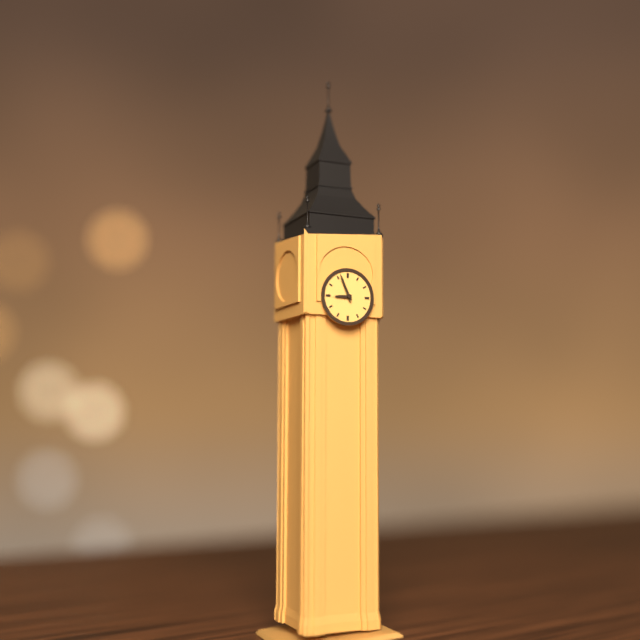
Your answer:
{"hour": 8, "minute": 56}
